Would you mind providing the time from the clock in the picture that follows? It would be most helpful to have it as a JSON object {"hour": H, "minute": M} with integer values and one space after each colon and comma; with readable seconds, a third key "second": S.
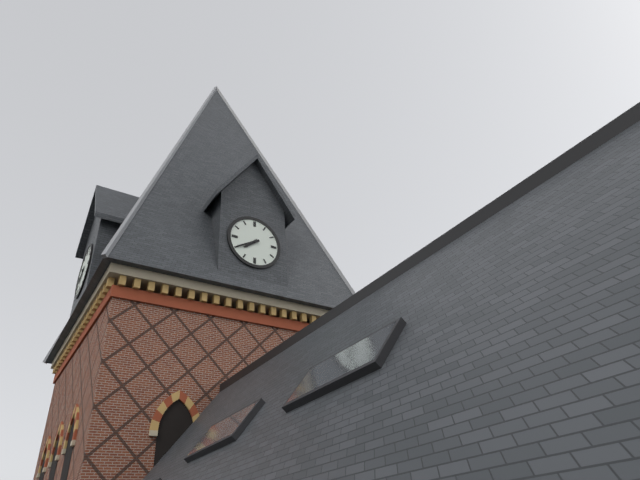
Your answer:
{"hour": 7, "minute": 40}
